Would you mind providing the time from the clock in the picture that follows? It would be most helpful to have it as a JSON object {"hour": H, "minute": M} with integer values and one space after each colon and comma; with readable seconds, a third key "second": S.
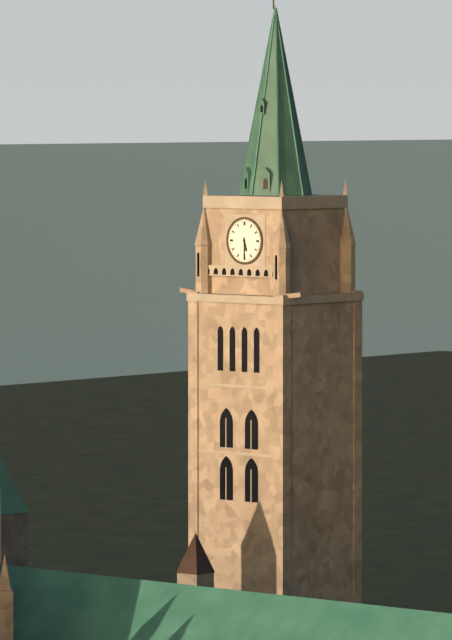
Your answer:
{"hour": 5, "minute": 30}
